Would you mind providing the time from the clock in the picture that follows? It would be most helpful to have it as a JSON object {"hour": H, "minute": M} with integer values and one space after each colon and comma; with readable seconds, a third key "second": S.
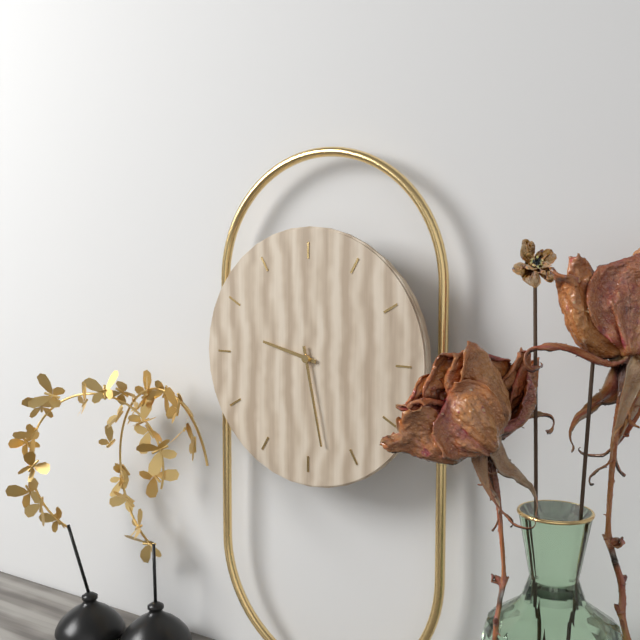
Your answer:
{"hour": 9, "minute": 28}
